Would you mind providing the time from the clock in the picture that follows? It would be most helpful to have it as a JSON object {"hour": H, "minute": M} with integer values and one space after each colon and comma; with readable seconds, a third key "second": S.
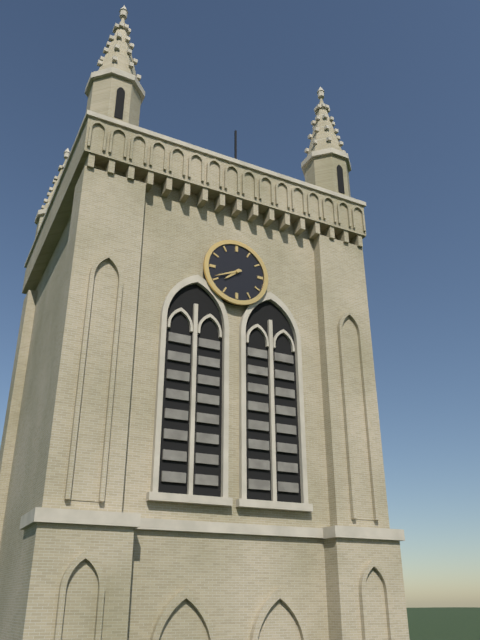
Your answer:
{"hour": 7, "minute": 41}
